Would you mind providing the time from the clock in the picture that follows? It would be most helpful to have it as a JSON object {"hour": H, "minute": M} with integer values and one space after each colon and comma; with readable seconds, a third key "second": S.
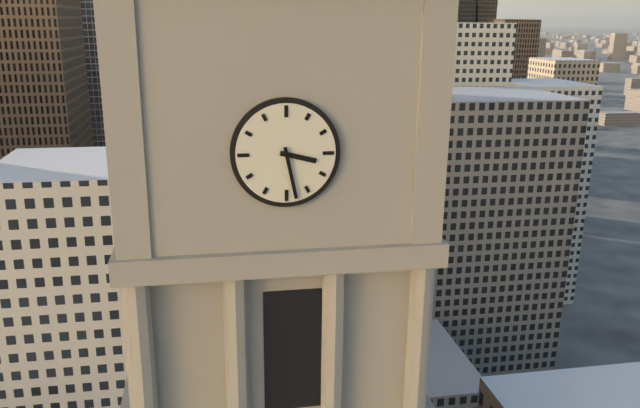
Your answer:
{"hour": 3, "minute": 28}
